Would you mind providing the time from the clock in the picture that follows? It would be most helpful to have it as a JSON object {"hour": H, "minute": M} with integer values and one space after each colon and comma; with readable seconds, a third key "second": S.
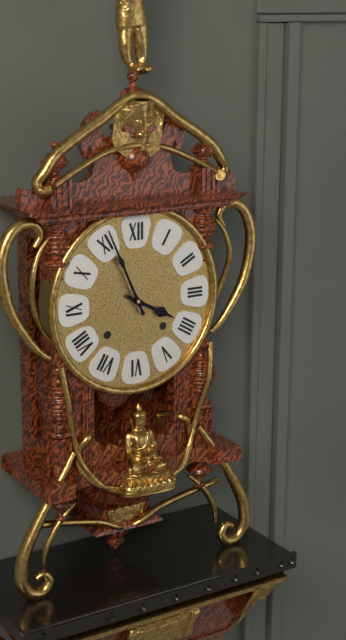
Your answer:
{"hour": 3, "minute": 56}
